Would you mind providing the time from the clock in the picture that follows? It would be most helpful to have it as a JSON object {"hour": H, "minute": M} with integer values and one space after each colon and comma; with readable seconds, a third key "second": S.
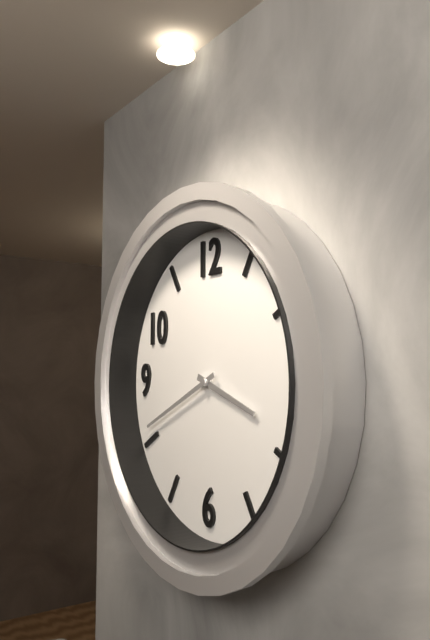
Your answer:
{"hour": 3, "minute": 41}
